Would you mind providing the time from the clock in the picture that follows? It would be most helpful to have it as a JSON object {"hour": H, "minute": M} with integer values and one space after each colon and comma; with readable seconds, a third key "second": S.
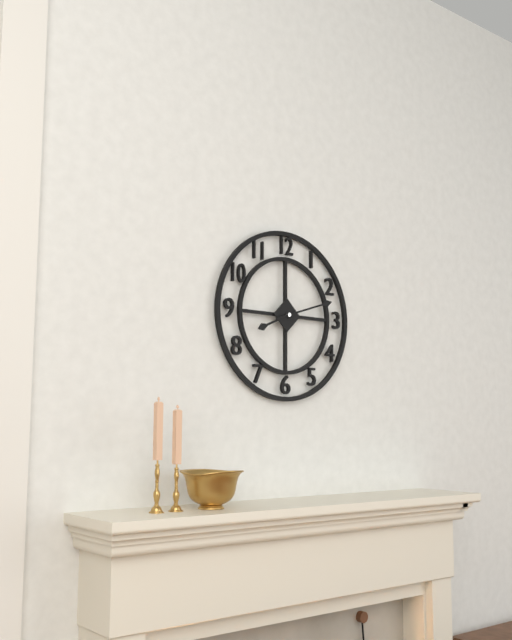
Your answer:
{"hour": 8, "minute": 12}
